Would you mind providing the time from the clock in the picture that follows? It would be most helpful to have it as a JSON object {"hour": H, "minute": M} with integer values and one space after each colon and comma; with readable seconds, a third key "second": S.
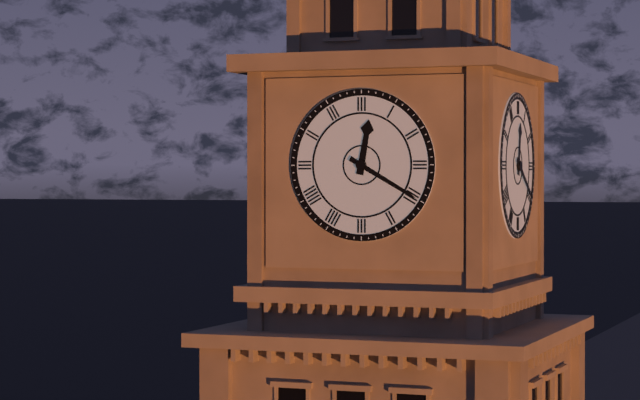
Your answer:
{"hour": 12, "minute": 20}
